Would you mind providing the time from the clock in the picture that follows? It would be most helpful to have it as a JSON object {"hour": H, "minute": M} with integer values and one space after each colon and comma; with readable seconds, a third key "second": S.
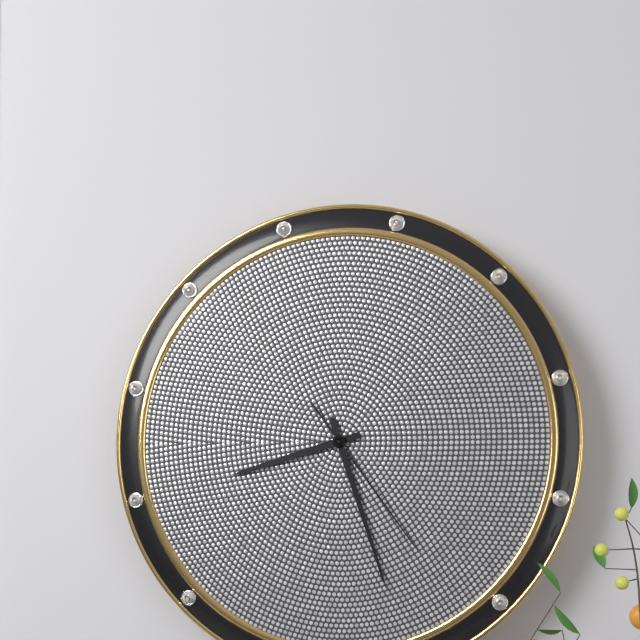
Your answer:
{"hour": 8, "minute": 27, "second": 24}
